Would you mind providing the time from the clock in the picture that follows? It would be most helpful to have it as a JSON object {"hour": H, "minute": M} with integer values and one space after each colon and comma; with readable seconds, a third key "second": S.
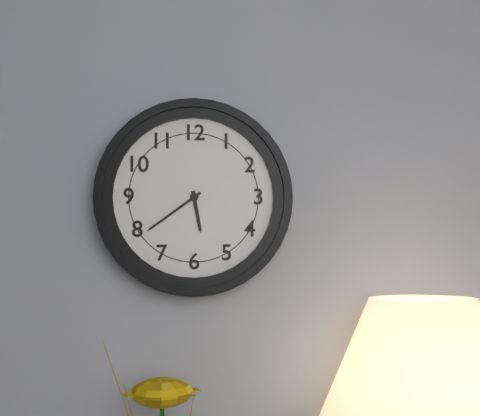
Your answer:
{"hour": 5, "minute": 39}
